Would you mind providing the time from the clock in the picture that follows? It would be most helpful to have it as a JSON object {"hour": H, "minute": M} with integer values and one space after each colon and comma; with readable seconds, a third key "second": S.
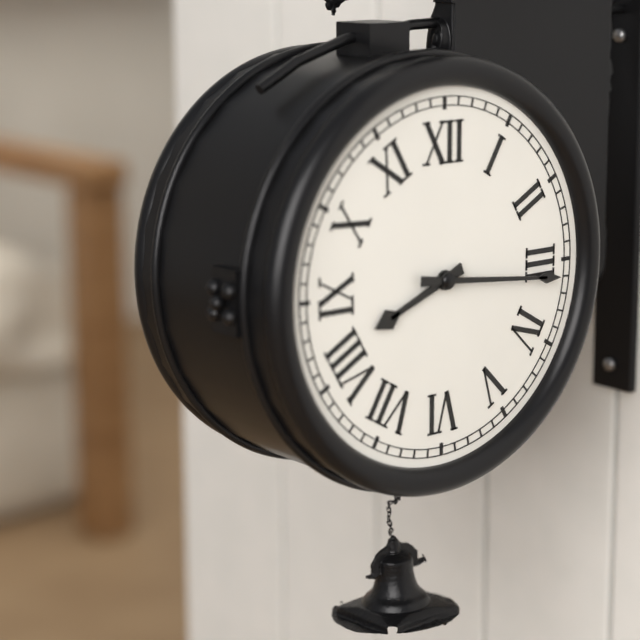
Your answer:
{"hour": 8, "minute": 16}
